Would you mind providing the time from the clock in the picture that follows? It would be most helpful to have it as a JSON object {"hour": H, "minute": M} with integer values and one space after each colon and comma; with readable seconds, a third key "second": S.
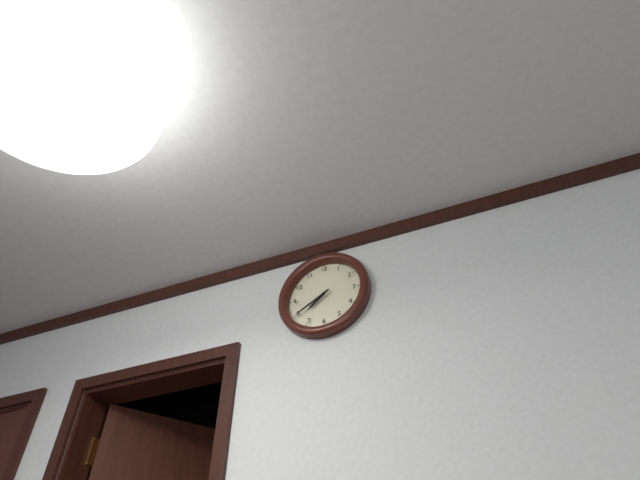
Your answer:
{"hour": 7, "minute": 40}
